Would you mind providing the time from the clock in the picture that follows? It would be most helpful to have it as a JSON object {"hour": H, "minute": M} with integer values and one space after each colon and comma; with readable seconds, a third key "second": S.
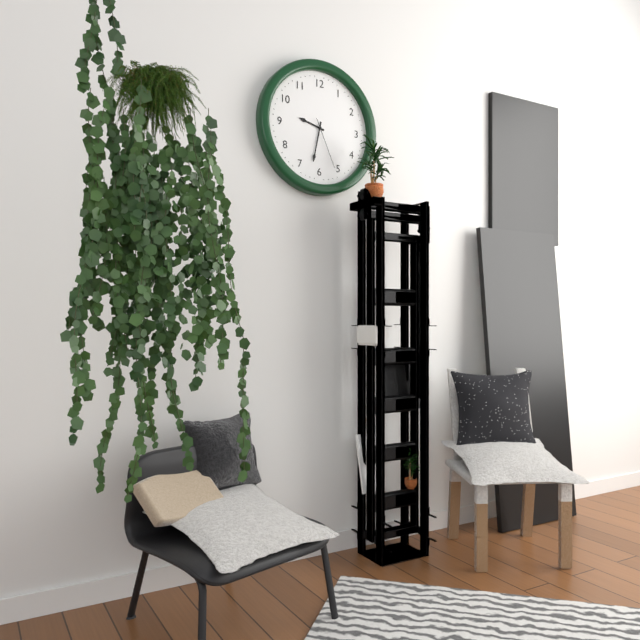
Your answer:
{"hour": 9, "minute": 32, "second": 26}
